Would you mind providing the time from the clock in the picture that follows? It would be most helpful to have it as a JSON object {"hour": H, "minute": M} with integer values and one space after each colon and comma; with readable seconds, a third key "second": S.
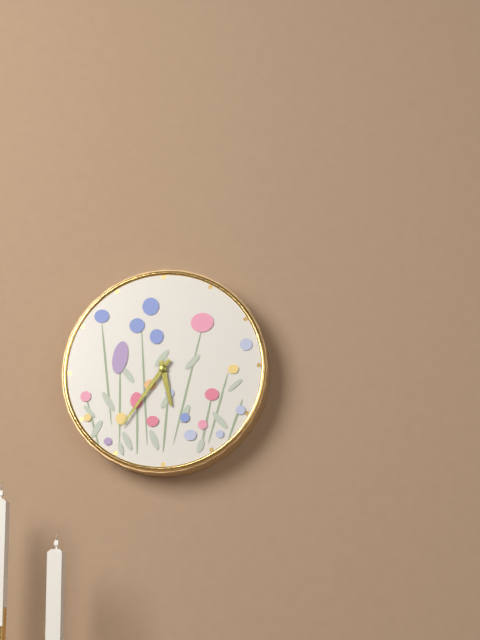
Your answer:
{"hour": 5, "minute": 36}
